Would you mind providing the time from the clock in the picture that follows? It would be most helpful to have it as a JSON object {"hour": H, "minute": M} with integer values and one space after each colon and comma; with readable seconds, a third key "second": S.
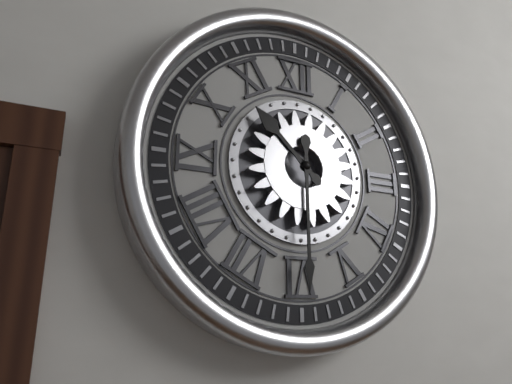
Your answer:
{"hour": 10, "minute": 30}
